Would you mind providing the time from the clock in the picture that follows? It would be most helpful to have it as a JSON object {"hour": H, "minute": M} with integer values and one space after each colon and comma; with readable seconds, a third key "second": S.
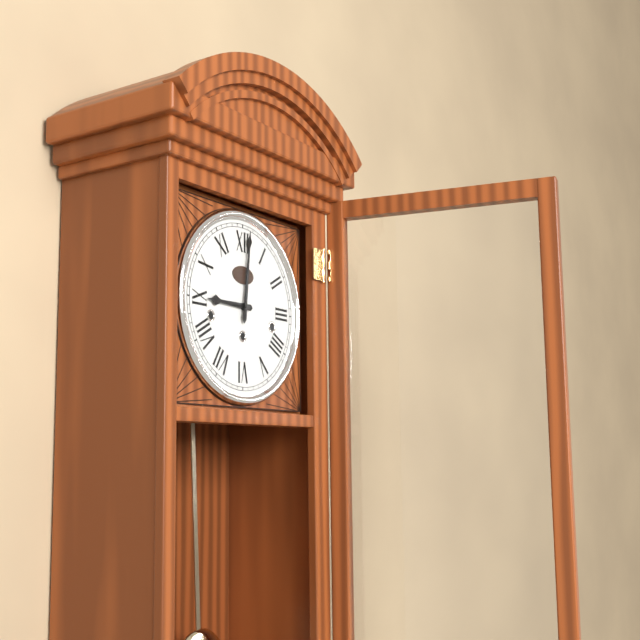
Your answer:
{"hour": 9, "minute": 1}
